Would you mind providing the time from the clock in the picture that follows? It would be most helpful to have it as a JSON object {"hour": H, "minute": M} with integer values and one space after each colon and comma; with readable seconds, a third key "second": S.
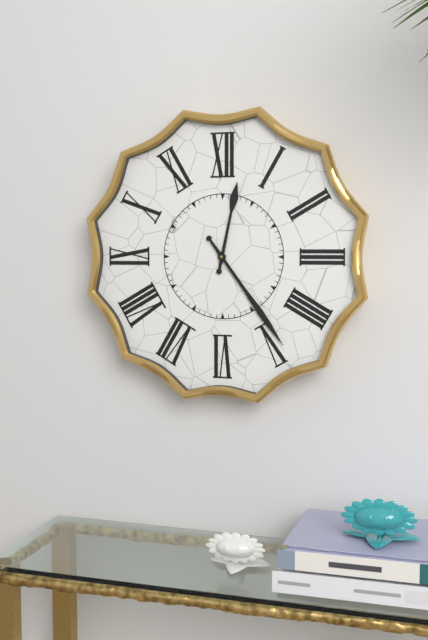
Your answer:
{"hour": 12, "minute": 24}
